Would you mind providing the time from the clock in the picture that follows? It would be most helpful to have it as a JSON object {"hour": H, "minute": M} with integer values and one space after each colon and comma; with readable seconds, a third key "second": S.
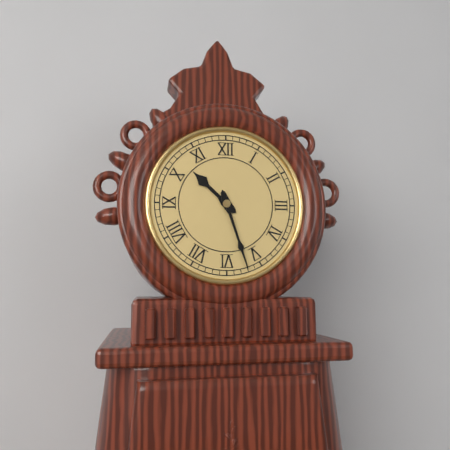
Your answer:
{"hour": 10, "minute": 27}
